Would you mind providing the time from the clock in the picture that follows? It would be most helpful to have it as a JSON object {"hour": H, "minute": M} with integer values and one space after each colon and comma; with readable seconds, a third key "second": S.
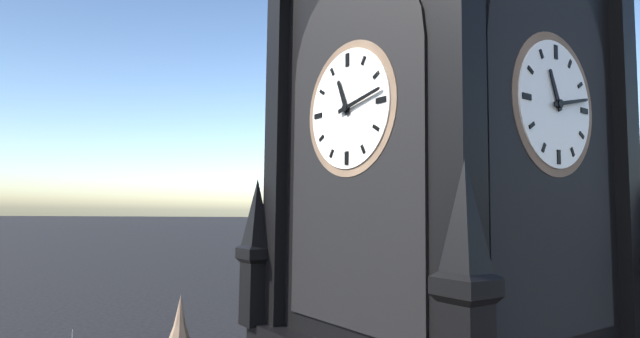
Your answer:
{"hour": 11, "minute": 13}
